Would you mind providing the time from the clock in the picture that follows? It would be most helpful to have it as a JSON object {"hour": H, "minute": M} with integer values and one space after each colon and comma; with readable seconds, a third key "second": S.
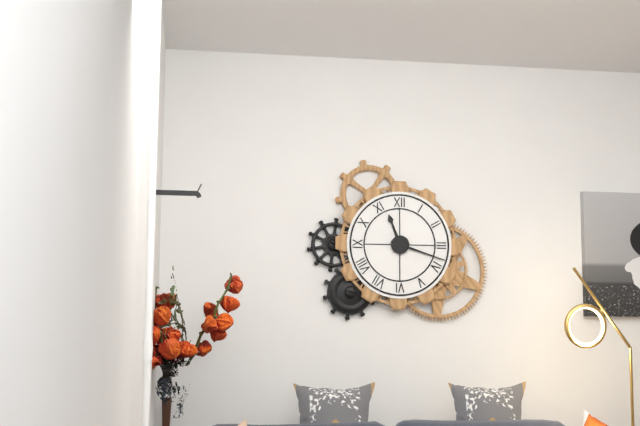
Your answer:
{"hour": 11, "minute": 18}
